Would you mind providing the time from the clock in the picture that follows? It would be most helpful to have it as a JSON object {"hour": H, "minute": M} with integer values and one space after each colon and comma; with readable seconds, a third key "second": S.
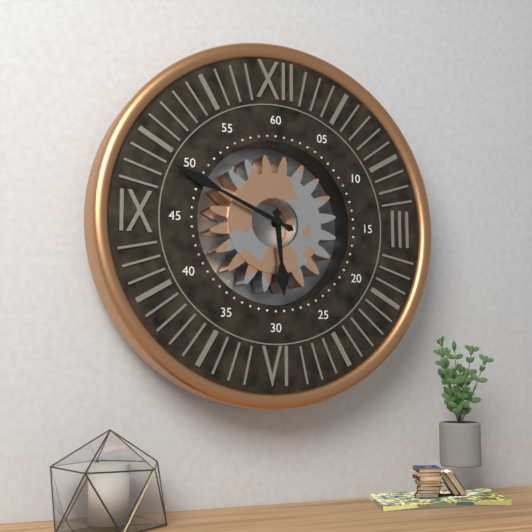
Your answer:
{"hour": 5, "minute": 49}
